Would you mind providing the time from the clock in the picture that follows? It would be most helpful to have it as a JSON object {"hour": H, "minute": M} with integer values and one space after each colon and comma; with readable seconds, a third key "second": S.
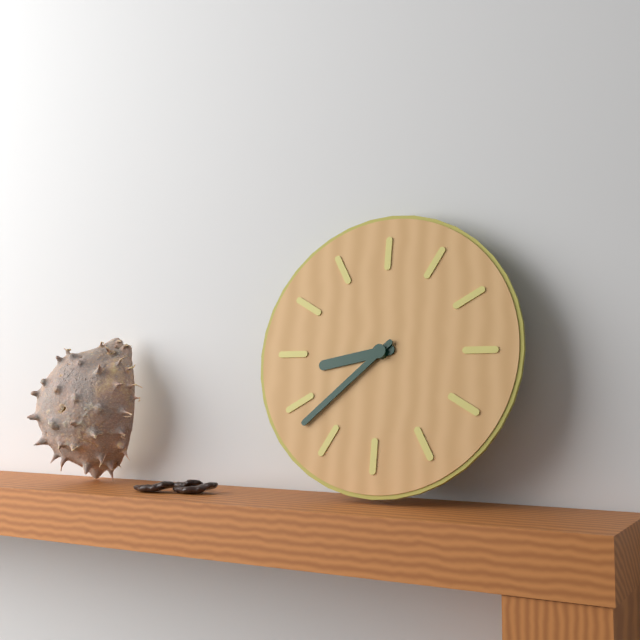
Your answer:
{"hour": 8, "minute": 38}
